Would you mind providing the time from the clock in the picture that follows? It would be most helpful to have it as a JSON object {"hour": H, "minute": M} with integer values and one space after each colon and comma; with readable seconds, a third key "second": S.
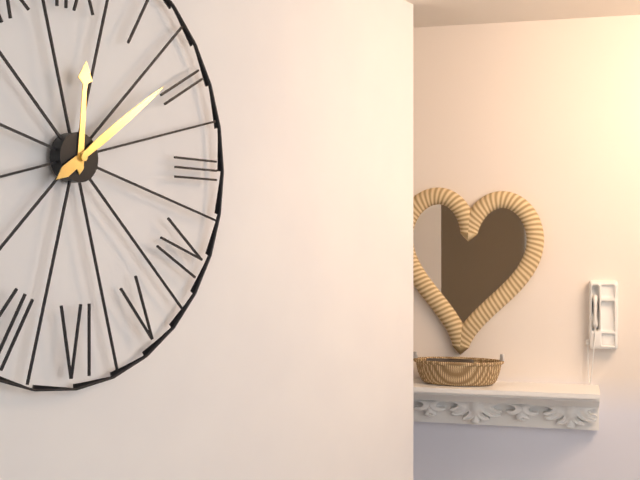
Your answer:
{"hour": 12, "minute": 9}
